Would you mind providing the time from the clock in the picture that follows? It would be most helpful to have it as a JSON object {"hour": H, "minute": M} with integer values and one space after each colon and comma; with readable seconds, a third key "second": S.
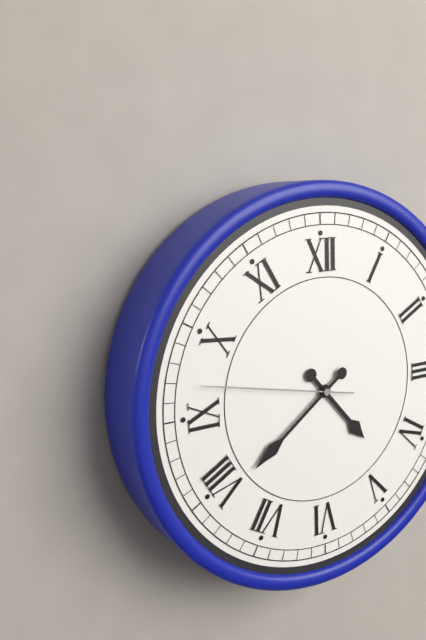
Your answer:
{"hour": 4, "minute": 39, "second": 47}
